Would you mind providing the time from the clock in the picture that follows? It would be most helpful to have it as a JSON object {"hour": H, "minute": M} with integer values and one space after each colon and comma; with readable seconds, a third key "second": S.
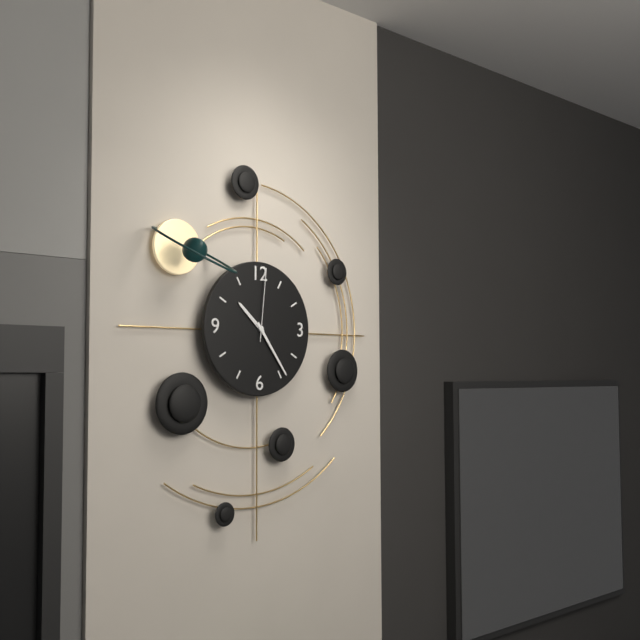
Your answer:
{"hour": 10, "minute": 24, "second": 1}
